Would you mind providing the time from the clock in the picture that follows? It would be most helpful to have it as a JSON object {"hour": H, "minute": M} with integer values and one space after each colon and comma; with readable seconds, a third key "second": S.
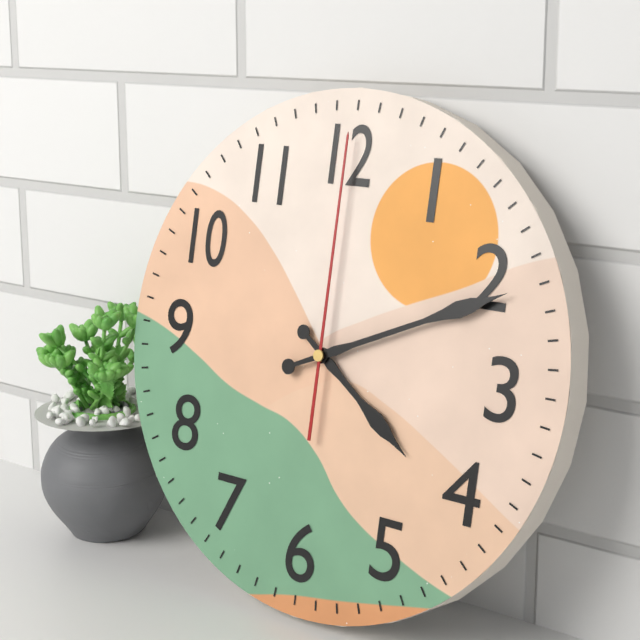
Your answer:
{"hour": 4, "minute": 11, "second": 0}
